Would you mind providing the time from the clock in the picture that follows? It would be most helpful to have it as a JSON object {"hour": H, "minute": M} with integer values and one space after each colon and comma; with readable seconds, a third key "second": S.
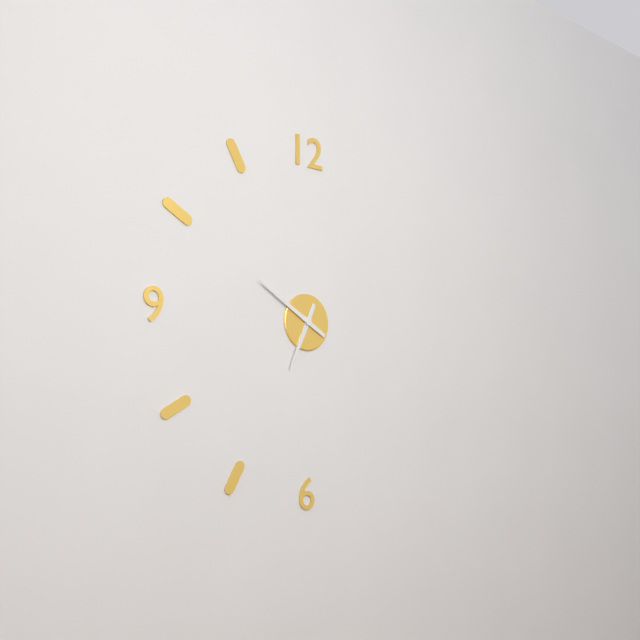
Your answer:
{"hour": 6, "minute": 50}
